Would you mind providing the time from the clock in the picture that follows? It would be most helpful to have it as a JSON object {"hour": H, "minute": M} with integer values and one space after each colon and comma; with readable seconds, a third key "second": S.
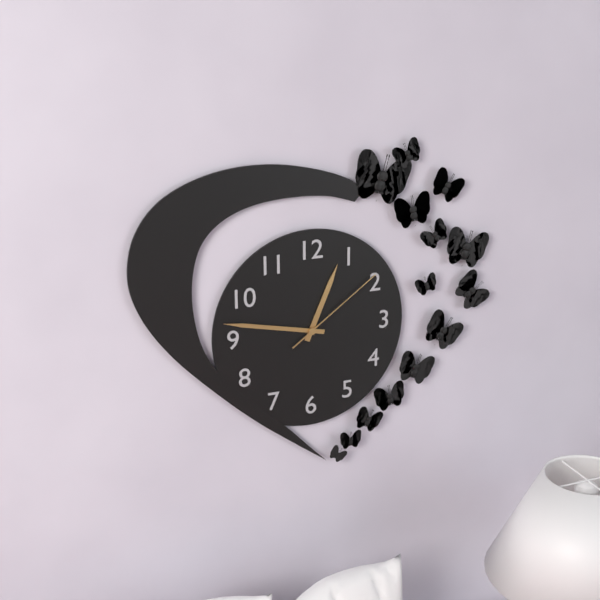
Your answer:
{"hour": 12, "minute": 47, "second": 9}
